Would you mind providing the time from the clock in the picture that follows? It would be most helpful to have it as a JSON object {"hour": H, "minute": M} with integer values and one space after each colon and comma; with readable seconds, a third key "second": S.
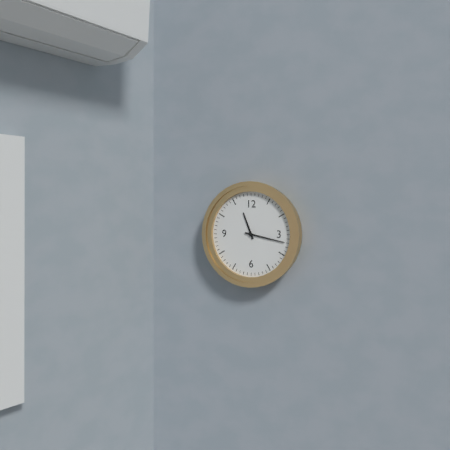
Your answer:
{"hour": 11, "minute": 17}
